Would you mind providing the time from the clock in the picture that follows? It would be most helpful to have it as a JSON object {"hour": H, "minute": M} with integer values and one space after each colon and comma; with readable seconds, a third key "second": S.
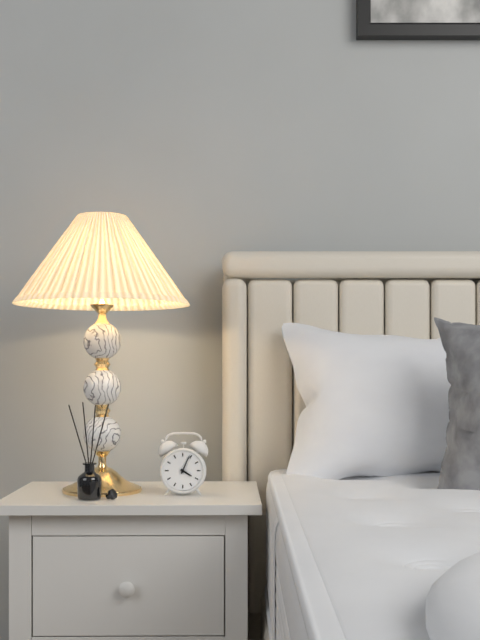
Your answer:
{"hour": 4, "minute": 4}
